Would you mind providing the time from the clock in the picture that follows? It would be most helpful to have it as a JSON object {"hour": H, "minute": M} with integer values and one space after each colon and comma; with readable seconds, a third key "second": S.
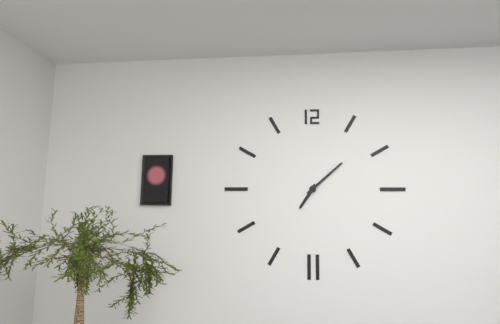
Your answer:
{"hour": 7, "minute": 8}
